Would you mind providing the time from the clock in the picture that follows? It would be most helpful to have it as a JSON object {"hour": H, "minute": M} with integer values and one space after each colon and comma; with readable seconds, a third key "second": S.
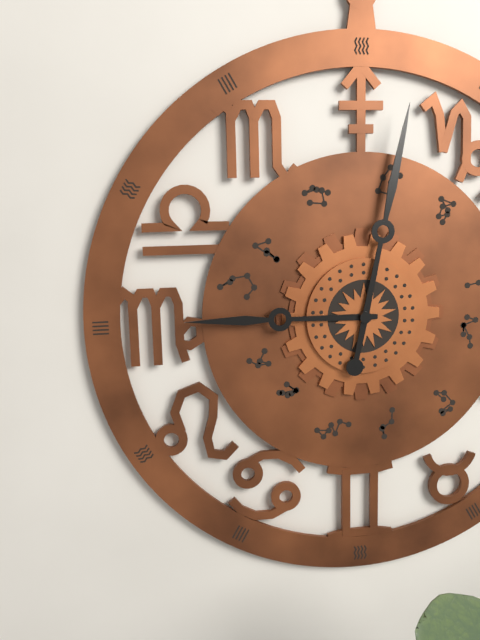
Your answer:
{"hour": 9, "minute": 2}
